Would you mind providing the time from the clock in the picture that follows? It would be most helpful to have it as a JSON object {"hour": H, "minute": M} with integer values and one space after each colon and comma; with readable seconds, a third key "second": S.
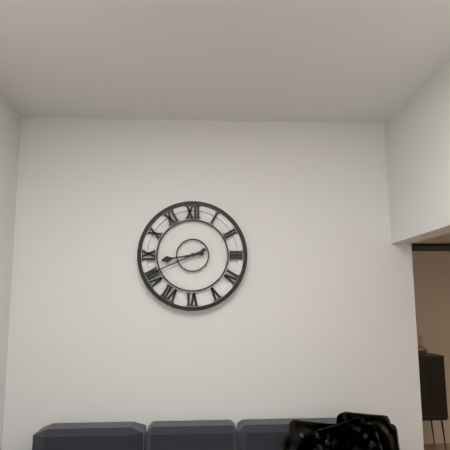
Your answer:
{"hour": 8, "minute": 41}
